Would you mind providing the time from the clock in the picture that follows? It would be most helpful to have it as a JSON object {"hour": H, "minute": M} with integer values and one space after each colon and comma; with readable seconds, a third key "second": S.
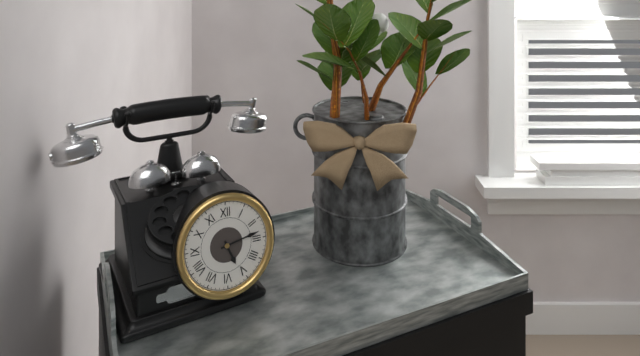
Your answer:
{"hour": 5, "minute": 13}
